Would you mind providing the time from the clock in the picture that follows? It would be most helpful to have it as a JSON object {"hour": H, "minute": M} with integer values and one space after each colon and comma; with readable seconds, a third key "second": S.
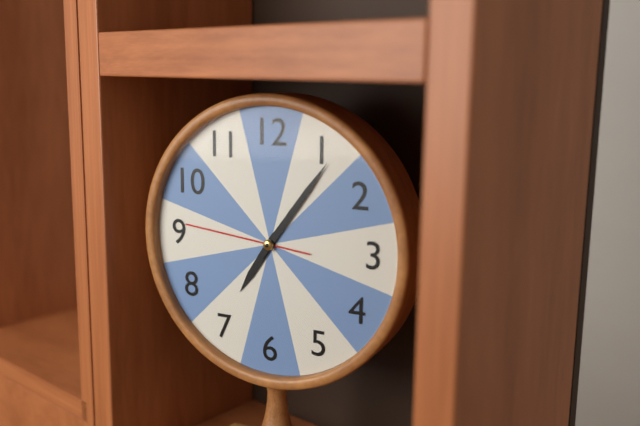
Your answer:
{"hour": 7, "minute": 6, "second": 46}
